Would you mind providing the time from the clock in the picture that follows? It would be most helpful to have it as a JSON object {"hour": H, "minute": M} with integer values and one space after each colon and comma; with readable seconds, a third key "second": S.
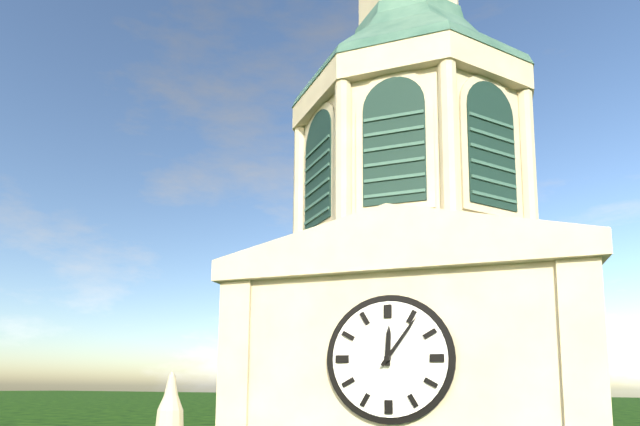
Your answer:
{"hour": 12, "minute": 6}
